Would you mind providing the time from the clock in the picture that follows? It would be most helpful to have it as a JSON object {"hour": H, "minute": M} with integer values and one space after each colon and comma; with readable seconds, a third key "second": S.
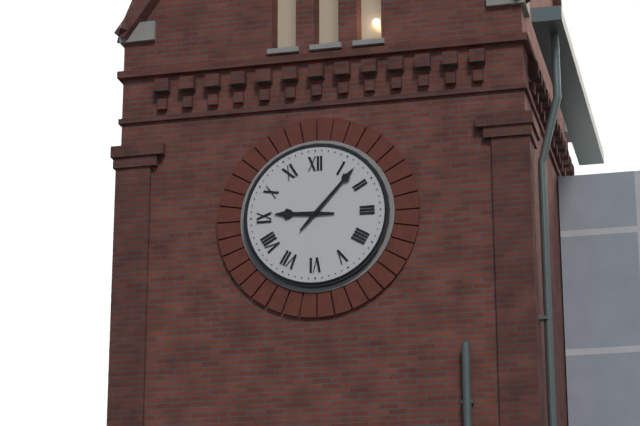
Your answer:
{"hour": 9, "minute": 7}
